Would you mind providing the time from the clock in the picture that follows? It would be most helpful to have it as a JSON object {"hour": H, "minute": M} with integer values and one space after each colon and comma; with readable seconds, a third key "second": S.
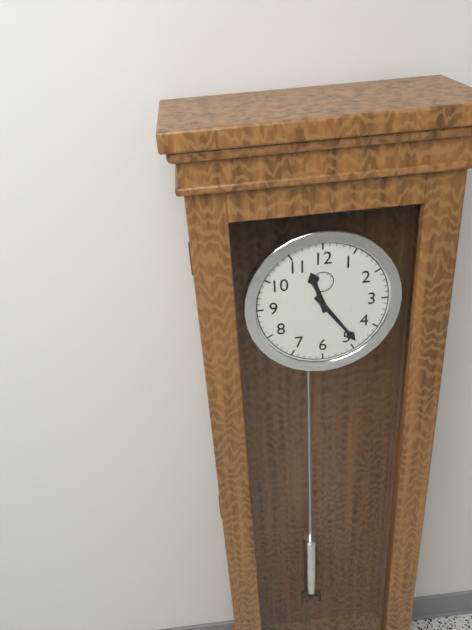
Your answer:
{"hour": 11, "minute": 24}
